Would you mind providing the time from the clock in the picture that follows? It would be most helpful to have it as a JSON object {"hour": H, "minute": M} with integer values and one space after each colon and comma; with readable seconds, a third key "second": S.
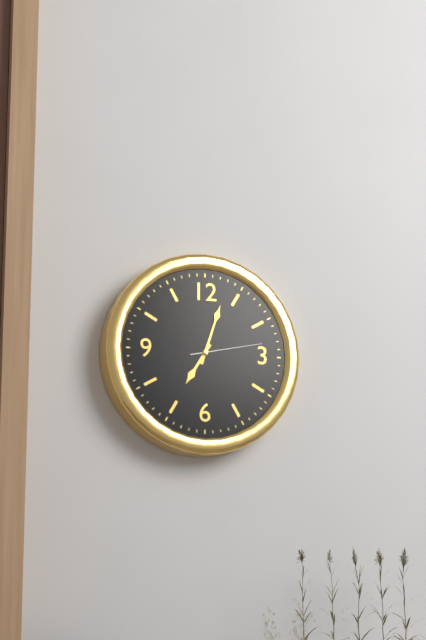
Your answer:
{"hour": 7, "minute": 3, "second": 13}
